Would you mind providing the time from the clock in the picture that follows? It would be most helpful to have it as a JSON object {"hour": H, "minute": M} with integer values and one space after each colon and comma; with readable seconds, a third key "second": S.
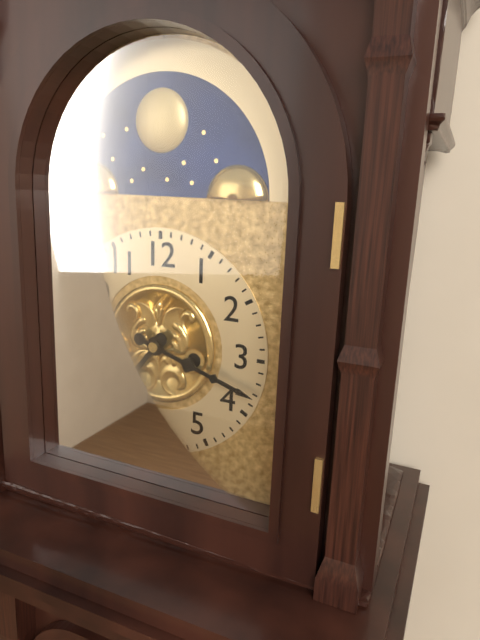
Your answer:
{"hour": 7, "minute": 18}
